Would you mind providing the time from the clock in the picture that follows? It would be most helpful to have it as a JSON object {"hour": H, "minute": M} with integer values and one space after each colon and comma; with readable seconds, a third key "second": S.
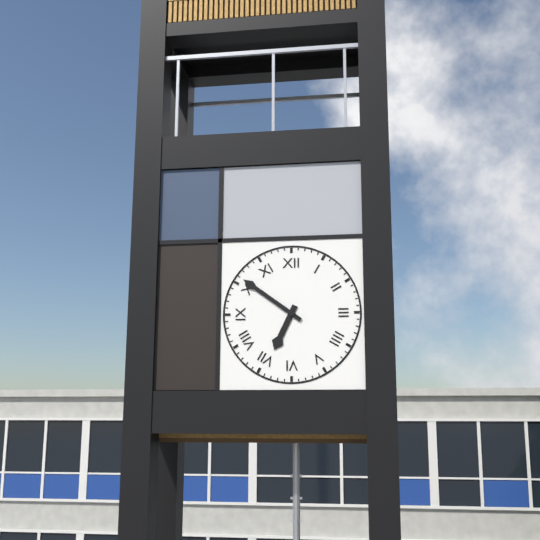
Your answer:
{"hour": 6, "minute": 51}
